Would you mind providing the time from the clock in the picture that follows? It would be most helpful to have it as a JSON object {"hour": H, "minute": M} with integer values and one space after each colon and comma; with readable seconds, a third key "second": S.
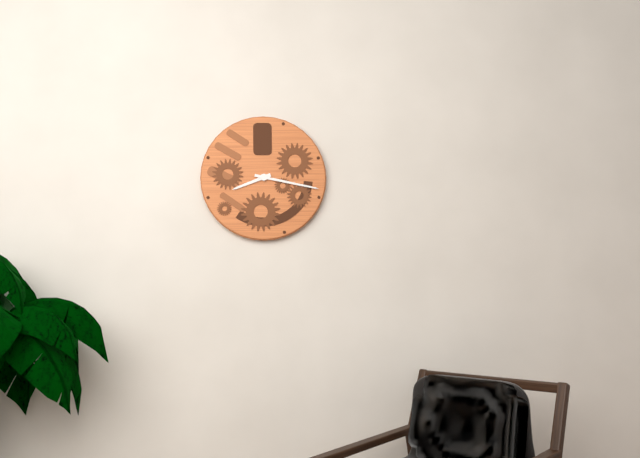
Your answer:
{"hour": 8, "minute": 17}
